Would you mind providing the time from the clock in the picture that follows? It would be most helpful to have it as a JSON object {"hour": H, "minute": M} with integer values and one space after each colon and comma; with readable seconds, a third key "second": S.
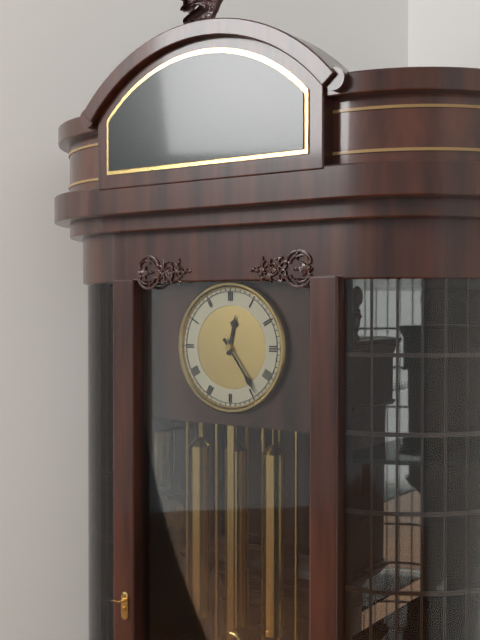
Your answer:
{"hour": 12, "minute": 24}
